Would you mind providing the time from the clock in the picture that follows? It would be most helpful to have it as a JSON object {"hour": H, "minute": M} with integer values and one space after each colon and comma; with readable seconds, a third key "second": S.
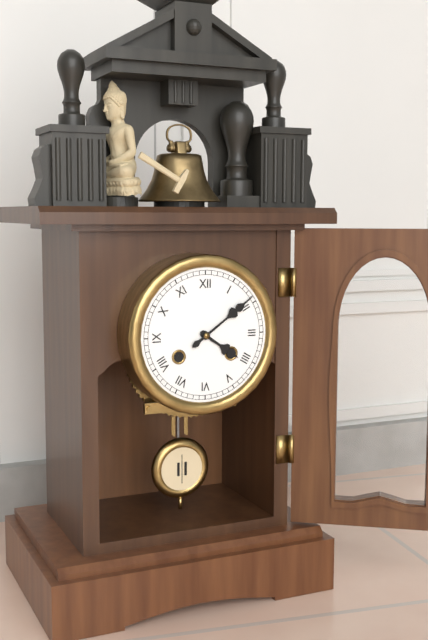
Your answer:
{"hour": 4, "minute": 9}
